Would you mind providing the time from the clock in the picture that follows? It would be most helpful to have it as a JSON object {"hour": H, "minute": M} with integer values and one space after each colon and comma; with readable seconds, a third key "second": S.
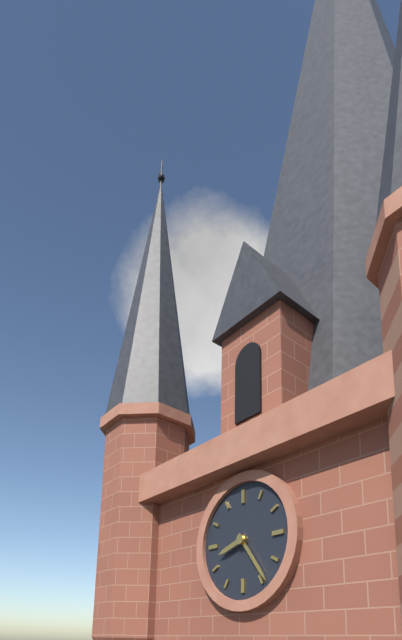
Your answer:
{"hour": 8, "minute": 24}
